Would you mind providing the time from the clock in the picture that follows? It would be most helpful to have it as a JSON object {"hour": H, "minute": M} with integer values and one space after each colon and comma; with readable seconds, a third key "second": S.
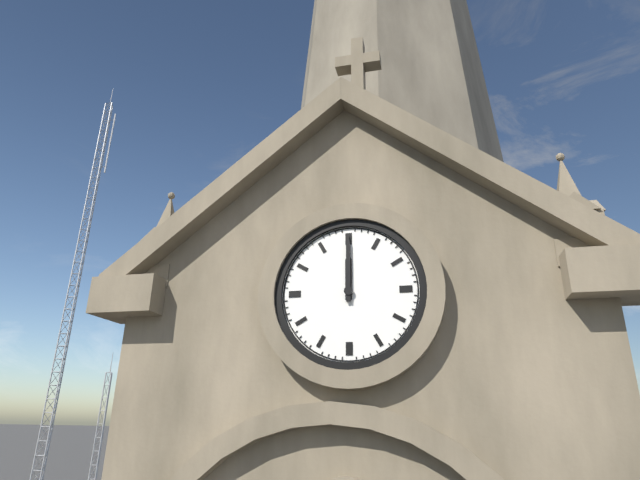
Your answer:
{"hour": 12, "minute": 0}
